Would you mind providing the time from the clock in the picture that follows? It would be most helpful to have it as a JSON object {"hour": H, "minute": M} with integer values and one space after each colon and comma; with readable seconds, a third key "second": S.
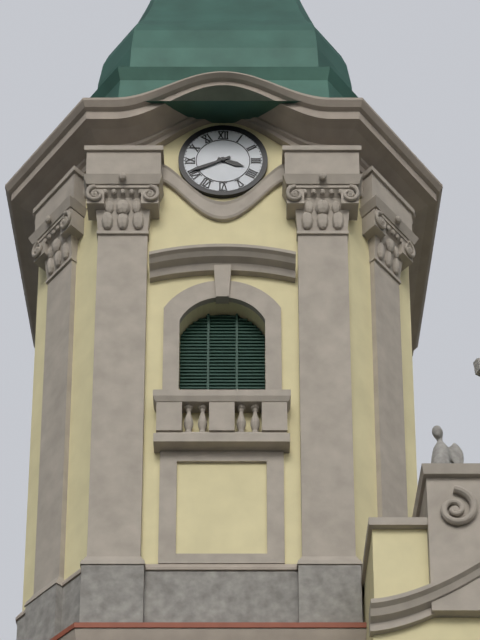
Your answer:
{"hour": 3, "minute": 41}
